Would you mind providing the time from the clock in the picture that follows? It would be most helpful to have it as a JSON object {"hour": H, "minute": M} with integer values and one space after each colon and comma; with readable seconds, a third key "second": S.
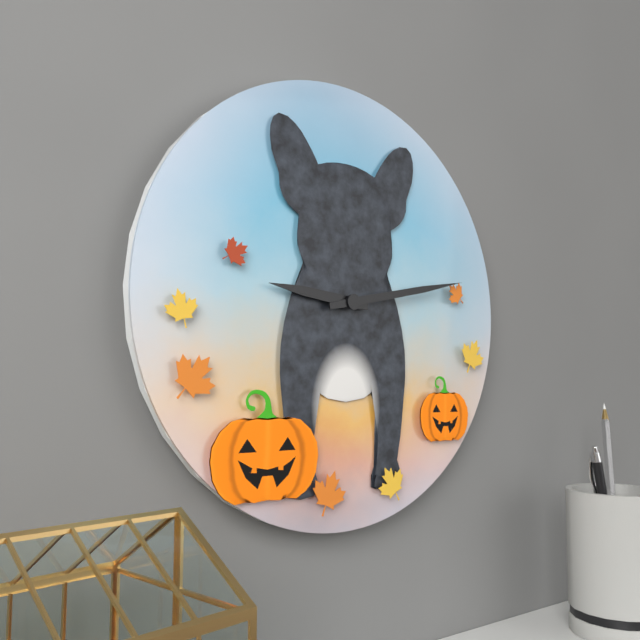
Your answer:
{"hour": 9, "minute": 13}
